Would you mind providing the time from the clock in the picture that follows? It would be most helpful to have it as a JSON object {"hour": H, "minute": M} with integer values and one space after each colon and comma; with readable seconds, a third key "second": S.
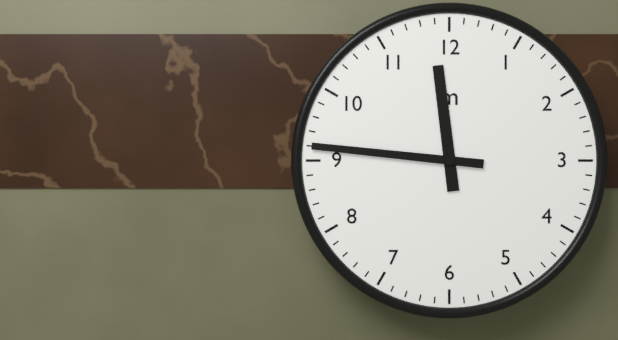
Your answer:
{"hour": 11, "minute": 46}
